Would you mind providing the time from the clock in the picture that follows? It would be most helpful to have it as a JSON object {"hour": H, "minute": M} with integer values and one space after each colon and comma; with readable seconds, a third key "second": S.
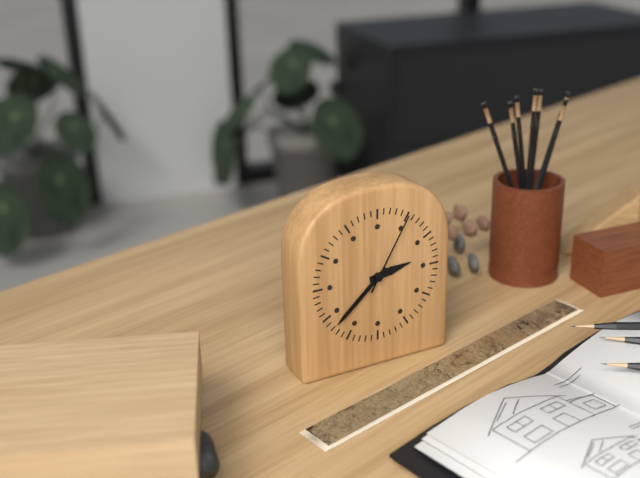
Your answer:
{"hour": 2, "minute": 38, "second": 5}
